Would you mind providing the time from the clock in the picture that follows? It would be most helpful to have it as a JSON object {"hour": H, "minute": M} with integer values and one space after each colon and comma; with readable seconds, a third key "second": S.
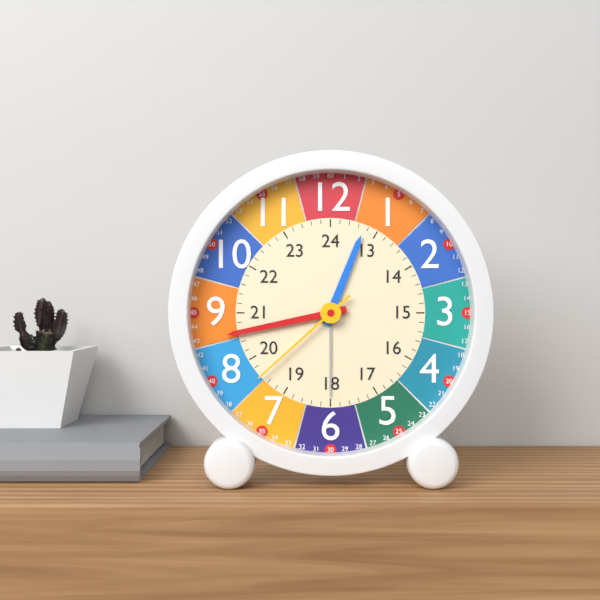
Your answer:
{"hour": 12, "minute": 43, "second": 38}
